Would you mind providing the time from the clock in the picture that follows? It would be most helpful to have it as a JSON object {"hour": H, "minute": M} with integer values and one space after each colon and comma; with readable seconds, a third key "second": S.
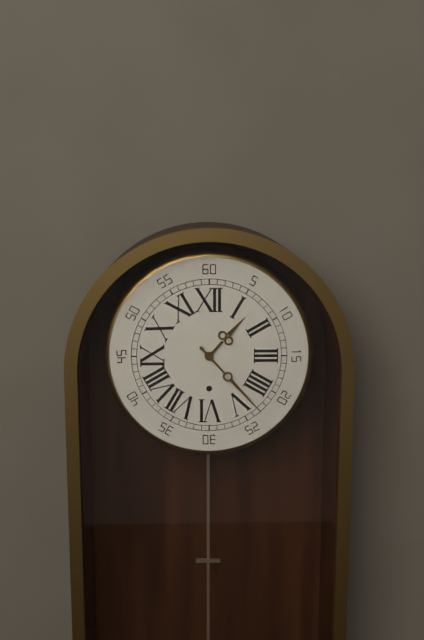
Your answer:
{"hour": 1, "minute": 23}
